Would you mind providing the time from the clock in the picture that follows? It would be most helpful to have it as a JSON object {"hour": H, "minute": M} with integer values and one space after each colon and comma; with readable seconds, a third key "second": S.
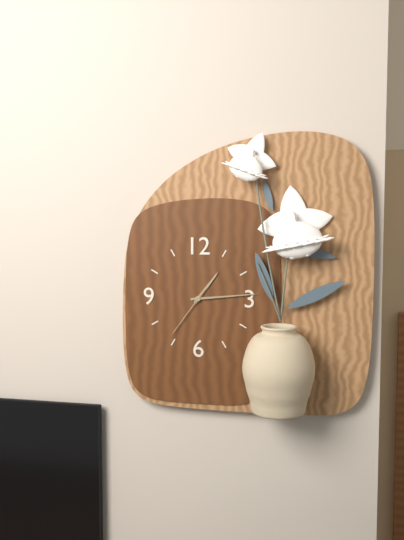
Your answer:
{"hour": 1, "minute": 14, "second": 36}
